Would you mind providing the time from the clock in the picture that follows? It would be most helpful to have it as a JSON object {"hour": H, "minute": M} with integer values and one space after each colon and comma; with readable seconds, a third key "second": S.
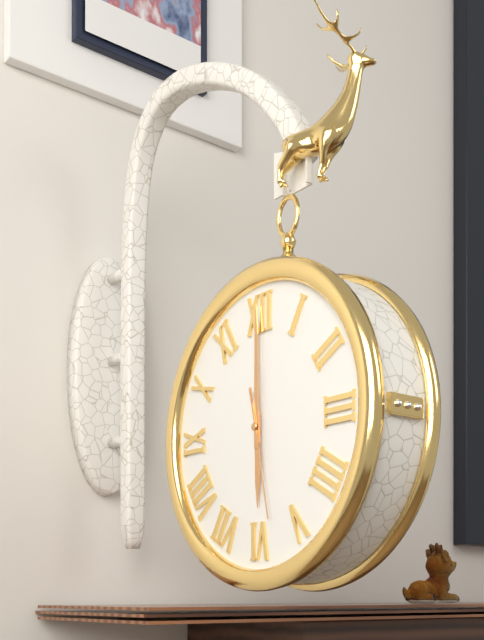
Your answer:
{"hour": 6, "minute": 0, "second": 28}
